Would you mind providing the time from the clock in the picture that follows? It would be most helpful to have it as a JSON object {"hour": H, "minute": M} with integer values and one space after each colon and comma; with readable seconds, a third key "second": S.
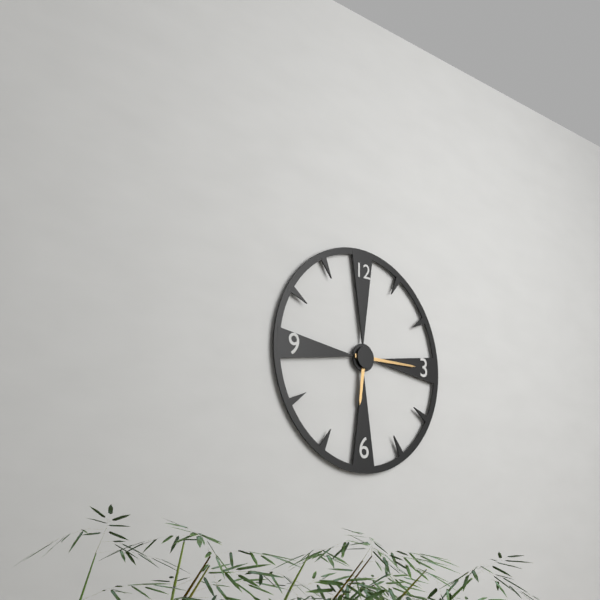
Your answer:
{"hour": 6, "minute": 15}
